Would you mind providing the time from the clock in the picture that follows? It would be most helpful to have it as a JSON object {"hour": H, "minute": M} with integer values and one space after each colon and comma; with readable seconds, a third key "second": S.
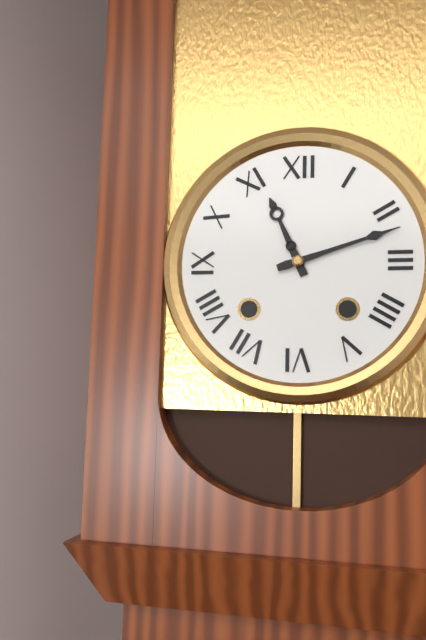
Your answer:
{"hour": 11, "minute": 12}
